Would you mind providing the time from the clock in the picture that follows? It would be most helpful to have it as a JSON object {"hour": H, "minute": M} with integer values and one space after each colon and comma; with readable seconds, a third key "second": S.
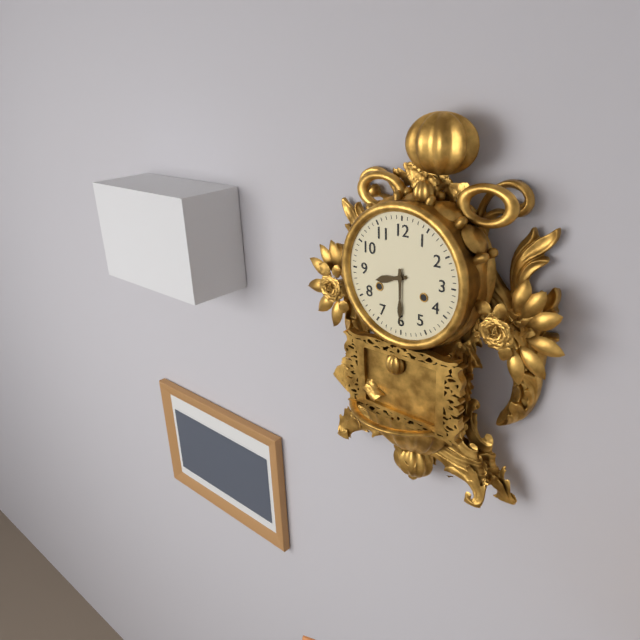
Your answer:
{"hour": 8, "minute": 30}
